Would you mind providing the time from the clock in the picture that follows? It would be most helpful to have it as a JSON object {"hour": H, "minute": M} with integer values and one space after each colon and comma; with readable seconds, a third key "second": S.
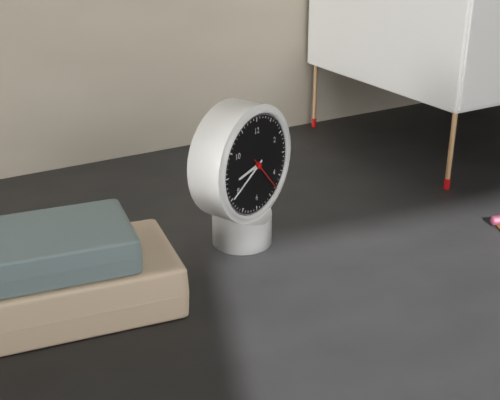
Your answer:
{"hour": 8, "minute": 40}
